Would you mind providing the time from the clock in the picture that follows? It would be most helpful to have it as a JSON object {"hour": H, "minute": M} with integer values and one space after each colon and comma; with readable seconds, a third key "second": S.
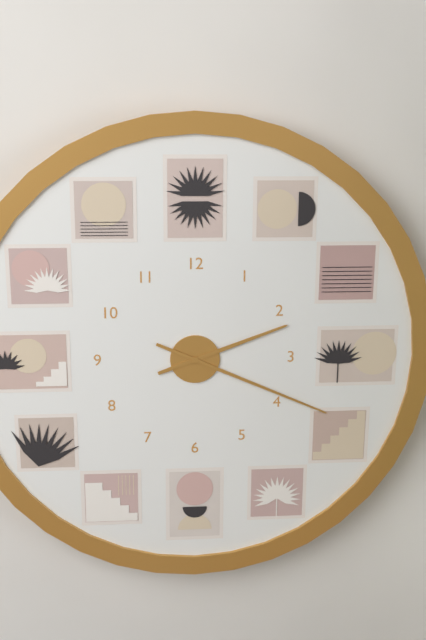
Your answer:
{"hour": 2, "minute": 19}
